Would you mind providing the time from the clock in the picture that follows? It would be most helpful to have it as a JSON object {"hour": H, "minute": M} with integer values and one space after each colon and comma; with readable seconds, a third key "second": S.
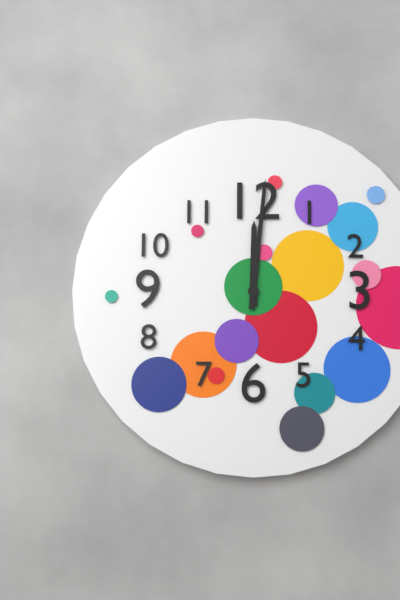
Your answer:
{"hour": 12, "minute": 1}
